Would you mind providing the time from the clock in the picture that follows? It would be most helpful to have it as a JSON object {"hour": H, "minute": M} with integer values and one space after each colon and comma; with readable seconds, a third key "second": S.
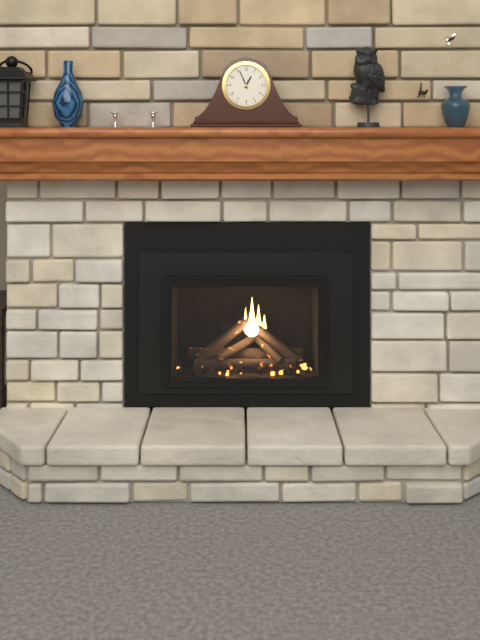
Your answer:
{"hour": 12, "minute": 56}
